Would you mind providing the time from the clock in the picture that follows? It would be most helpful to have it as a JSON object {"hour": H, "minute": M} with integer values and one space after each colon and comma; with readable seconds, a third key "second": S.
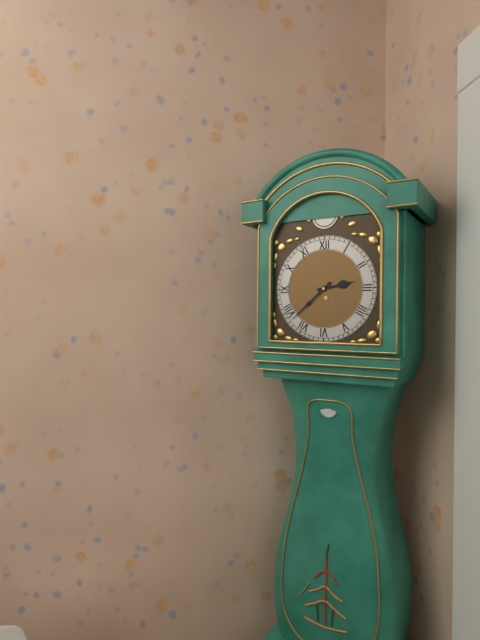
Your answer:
{"hour": 2, "minute": 38}
